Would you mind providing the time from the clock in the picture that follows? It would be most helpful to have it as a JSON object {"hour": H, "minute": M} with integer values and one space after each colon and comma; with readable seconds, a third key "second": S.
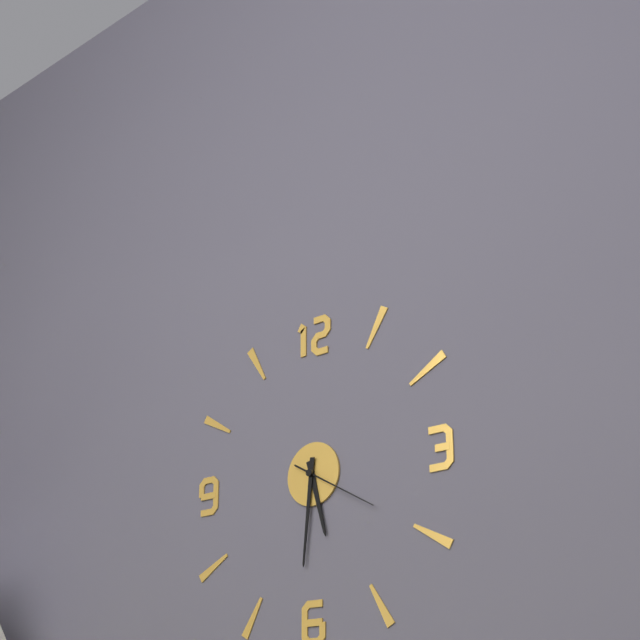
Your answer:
{"hour": 5, "minute": 31, "second": 20}
